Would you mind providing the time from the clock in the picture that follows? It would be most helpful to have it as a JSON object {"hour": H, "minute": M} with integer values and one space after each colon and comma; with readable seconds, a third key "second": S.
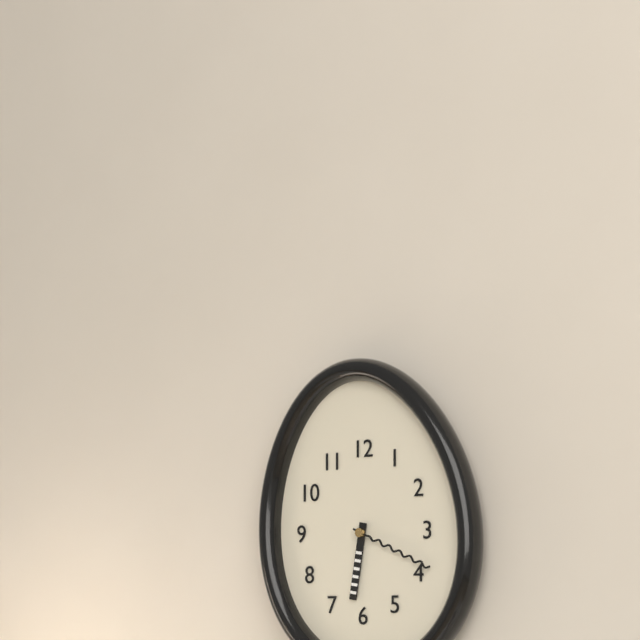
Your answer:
{"hour": 6, "minute": 19}
